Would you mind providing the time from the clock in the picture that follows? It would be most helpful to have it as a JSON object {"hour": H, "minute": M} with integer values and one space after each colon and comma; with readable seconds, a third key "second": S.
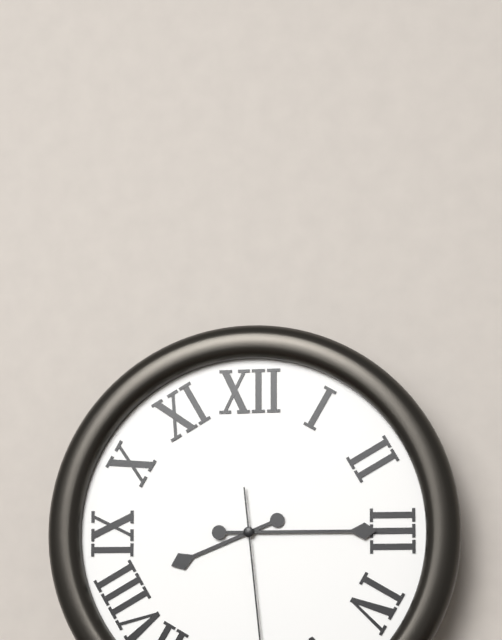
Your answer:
{"hour": 8, "minute": 15}
